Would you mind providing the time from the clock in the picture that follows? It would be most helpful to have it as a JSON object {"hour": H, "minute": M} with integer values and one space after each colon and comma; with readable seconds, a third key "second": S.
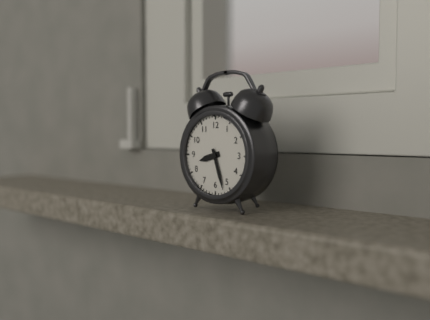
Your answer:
{"hour": 8, "minute": 27}
